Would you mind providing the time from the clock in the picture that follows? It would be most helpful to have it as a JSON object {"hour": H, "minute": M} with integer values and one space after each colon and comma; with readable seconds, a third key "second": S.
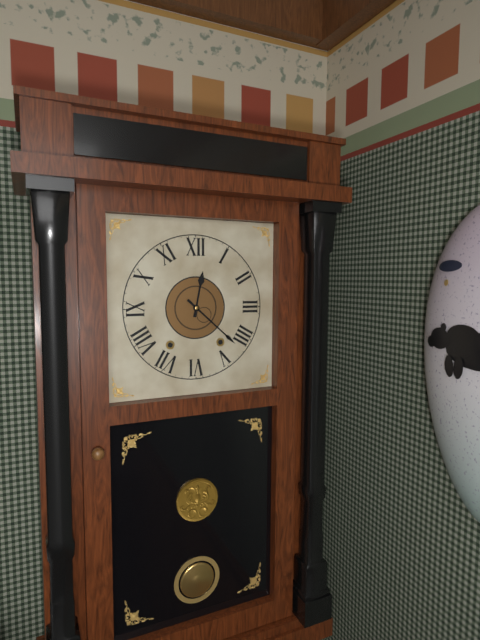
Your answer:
{"hour": 12, "minute": 22}
